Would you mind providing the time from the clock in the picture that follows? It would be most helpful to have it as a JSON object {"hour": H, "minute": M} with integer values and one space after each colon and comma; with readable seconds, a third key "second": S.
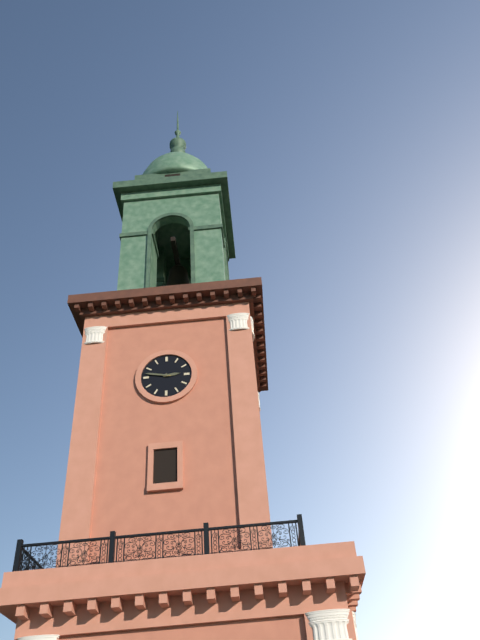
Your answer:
{"hour": 2, "minute": 47}
